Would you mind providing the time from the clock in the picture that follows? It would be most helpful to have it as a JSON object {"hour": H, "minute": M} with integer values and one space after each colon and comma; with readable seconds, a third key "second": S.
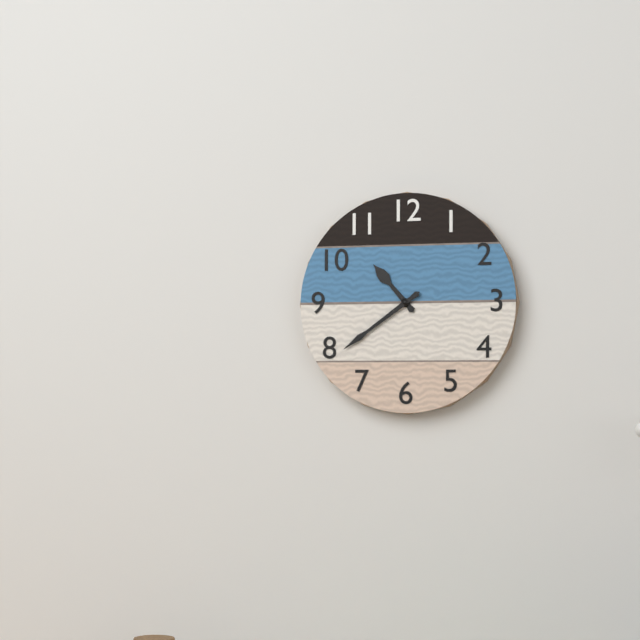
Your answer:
{"hour": 10, "minute": 39}
